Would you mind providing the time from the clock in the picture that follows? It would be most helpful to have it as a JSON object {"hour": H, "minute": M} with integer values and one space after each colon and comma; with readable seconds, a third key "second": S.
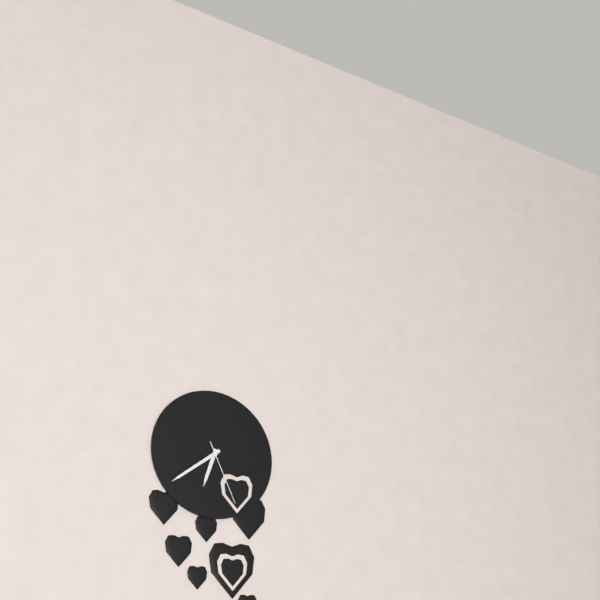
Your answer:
{"hour": 6, "minute": 39, "second": 26}
